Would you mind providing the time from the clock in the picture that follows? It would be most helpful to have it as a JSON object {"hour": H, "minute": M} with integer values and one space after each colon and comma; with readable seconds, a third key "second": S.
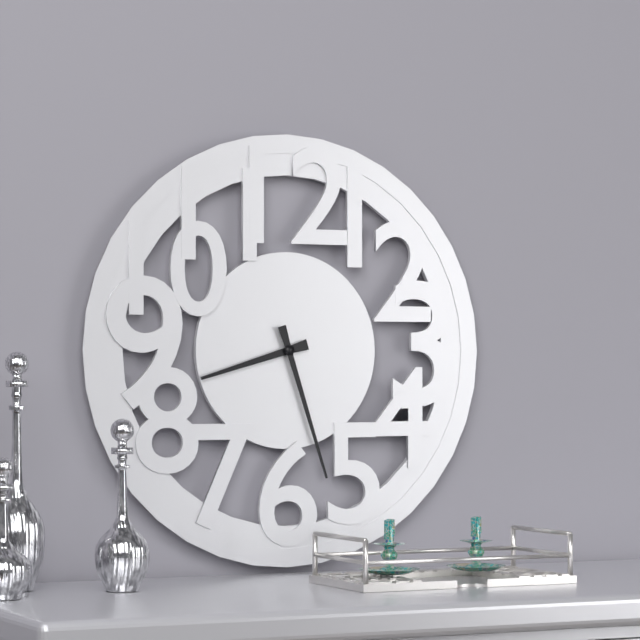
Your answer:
{"hour": 8, "minute": 27}
